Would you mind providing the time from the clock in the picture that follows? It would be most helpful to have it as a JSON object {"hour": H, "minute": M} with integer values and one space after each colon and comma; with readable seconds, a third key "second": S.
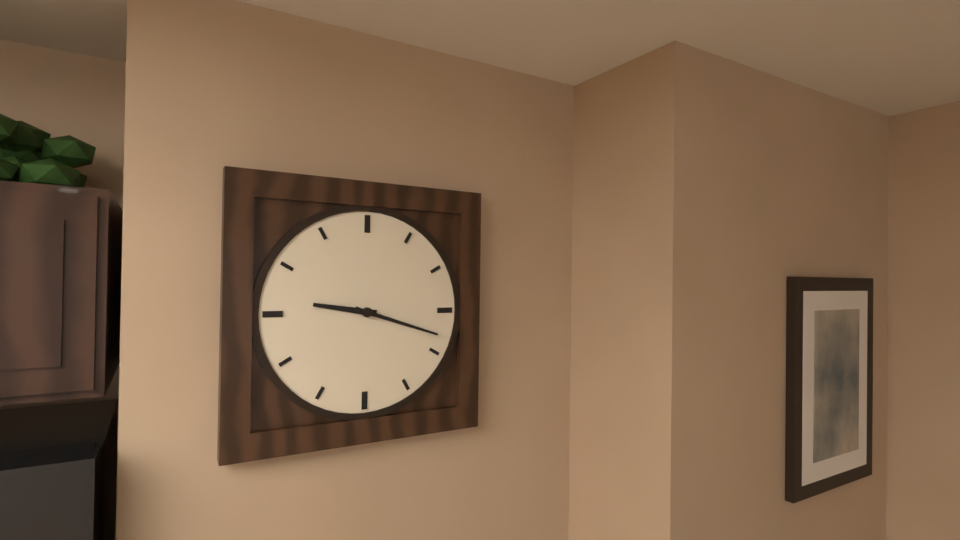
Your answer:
{"hour": 9, "minute": 18}
